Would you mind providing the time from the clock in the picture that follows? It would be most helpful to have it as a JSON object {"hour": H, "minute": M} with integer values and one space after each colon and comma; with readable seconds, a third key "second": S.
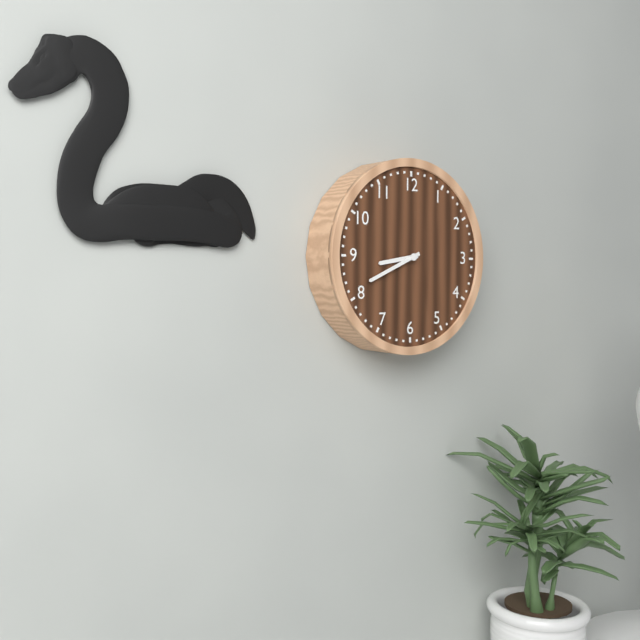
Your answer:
{"hour": 8, "minute": 41}
